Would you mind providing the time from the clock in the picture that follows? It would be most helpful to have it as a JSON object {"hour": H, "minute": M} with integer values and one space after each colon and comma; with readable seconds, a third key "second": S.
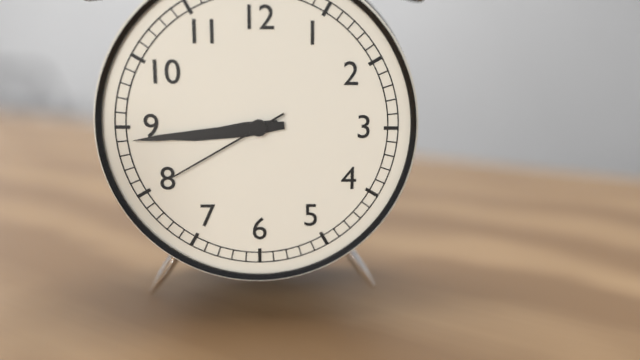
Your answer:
{"hour": 8, "minute": 44, "second": 40}
